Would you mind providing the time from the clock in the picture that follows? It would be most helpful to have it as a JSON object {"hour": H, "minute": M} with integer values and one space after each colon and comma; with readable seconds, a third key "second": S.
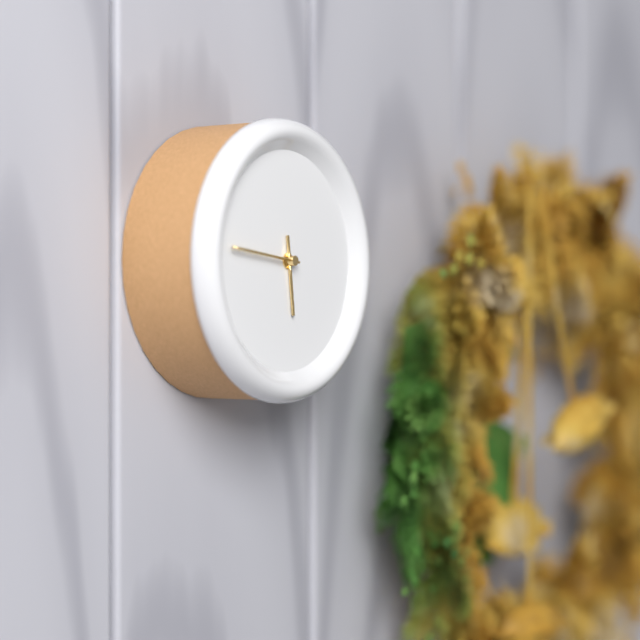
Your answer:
{"hour": 5, "minute": 46}
